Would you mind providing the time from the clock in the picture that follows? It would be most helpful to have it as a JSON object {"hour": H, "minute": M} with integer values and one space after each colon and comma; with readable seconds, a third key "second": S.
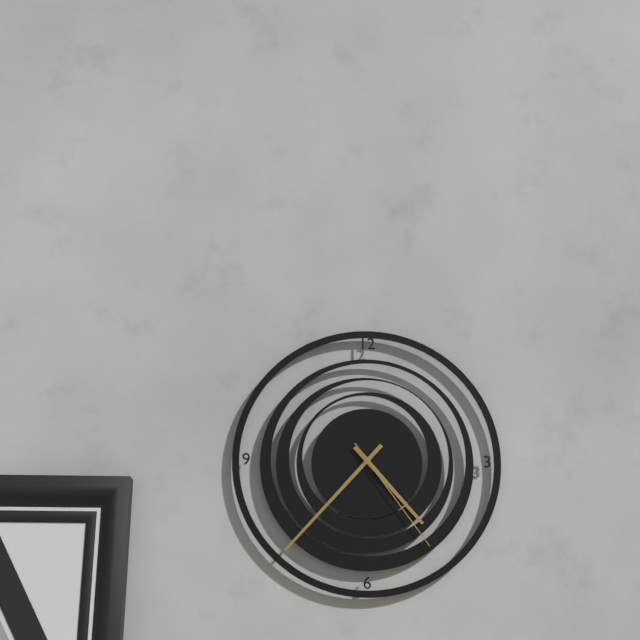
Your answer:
{"hour": 4, "minute": 37, "second": 24}
